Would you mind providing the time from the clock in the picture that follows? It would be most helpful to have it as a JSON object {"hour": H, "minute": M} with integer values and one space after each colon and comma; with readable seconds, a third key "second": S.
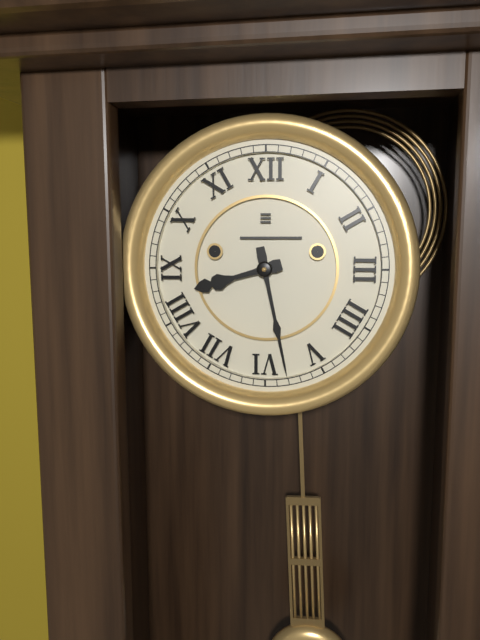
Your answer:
{"hour": 8, "minute": 28}
